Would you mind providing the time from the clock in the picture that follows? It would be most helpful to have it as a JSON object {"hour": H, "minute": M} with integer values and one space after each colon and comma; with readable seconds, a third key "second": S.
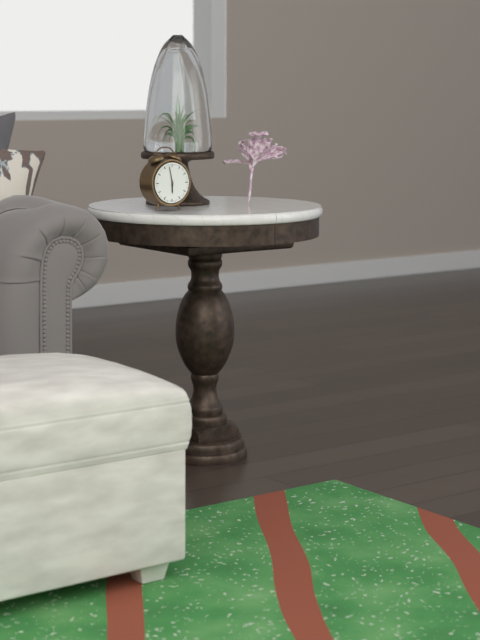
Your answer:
{"hour": 5, "minute": 58}
